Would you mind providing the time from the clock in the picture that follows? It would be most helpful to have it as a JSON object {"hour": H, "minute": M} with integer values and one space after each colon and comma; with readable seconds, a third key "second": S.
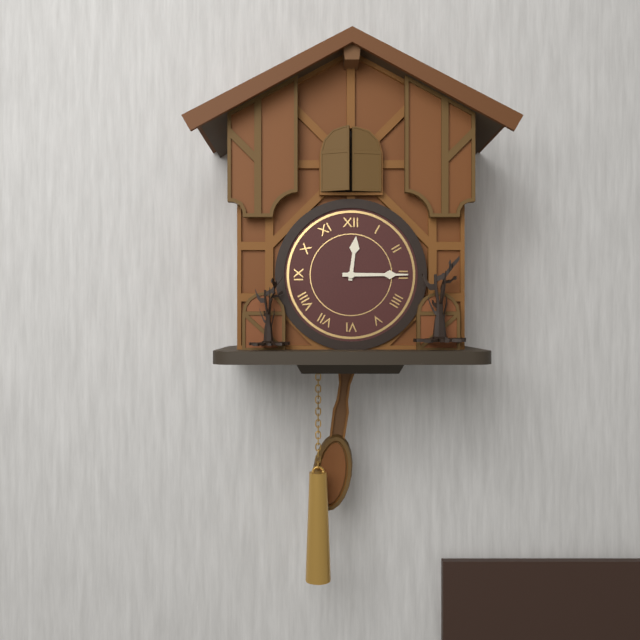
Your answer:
{"hour": 12, "minute": 15}
